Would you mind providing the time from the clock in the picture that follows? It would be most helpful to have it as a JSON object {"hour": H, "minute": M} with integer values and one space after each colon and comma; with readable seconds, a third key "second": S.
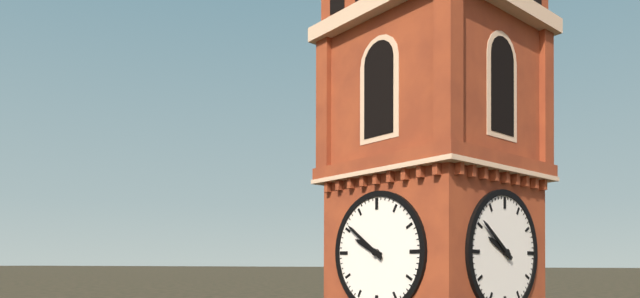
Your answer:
{"hour": 9, "minute": 51}
